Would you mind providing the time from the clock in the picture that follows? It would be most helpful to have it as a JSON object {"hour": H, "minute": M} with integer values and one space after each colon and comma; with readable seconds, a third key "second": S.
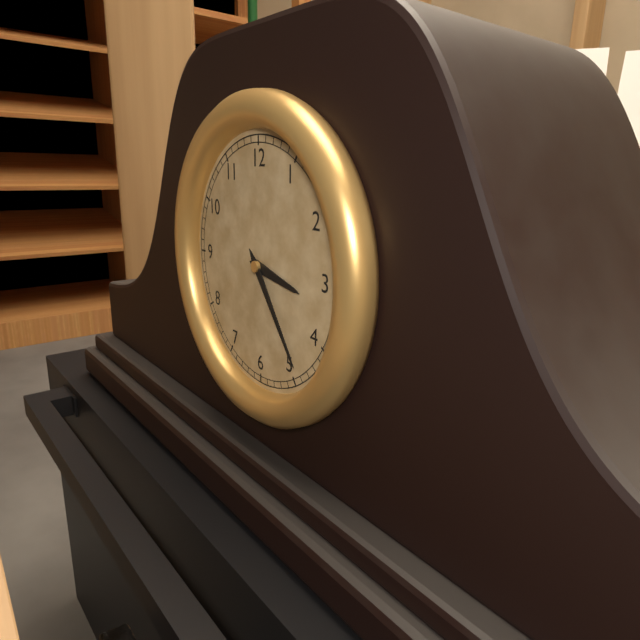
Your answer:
{"hour": 3, "minute": 24}
